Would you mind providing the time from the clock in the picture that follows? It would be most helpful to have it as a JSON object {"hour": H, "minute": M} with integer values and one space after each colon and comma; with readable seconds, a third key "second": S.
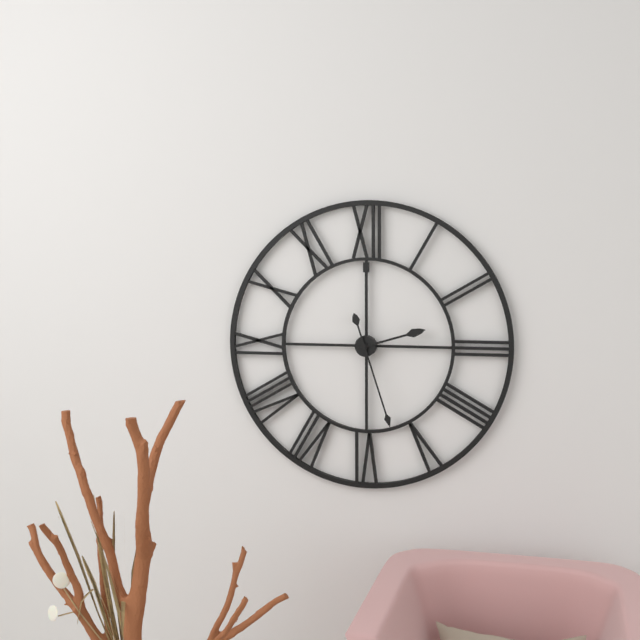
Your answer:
{"hour": 2, "minute": 27}
